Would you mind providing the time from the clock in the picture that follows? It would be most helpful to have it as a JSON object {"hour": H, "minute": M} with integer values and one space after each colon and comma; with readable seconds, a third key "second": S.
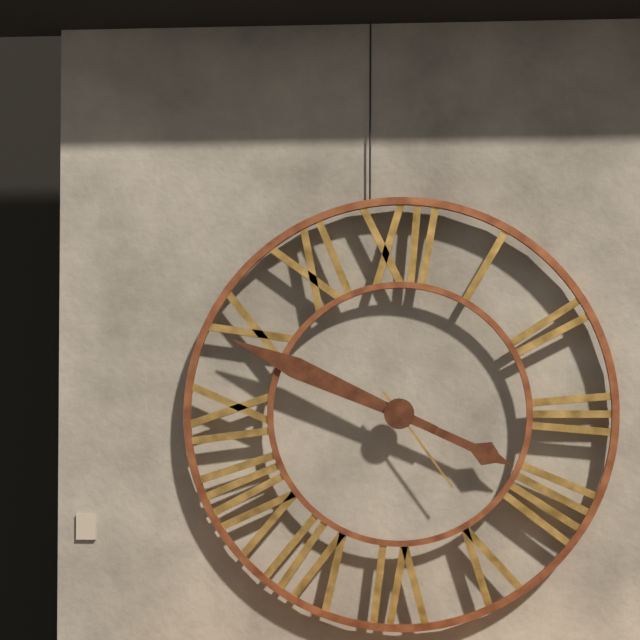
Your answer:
{"hour": 3, "minute": 49, "second": 24}
